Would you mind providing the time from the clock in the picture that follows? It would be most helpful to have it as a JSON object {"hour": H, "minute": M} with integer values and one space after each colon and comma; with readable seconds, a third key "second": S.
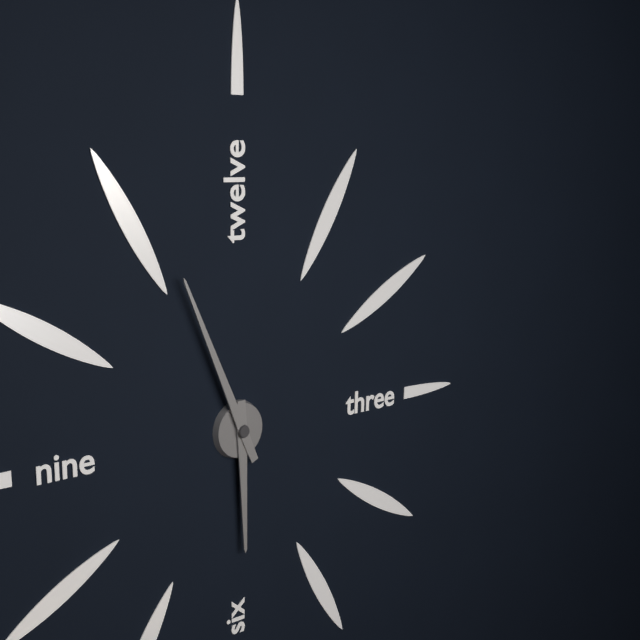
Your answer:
{"hour": 5, "minute": 56}
